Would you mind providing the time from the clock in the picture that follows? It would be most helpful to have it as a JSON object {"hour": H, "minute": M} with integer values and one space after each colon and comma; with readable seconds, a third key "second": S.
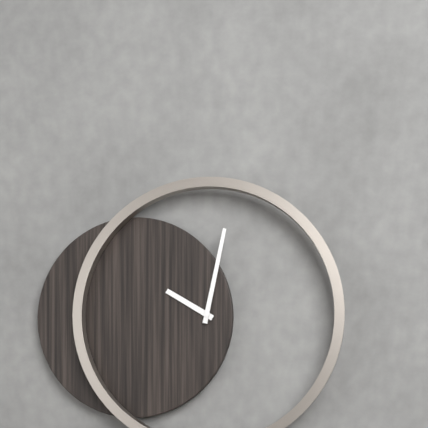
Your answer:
{"hour": 10, "minute": 2}
